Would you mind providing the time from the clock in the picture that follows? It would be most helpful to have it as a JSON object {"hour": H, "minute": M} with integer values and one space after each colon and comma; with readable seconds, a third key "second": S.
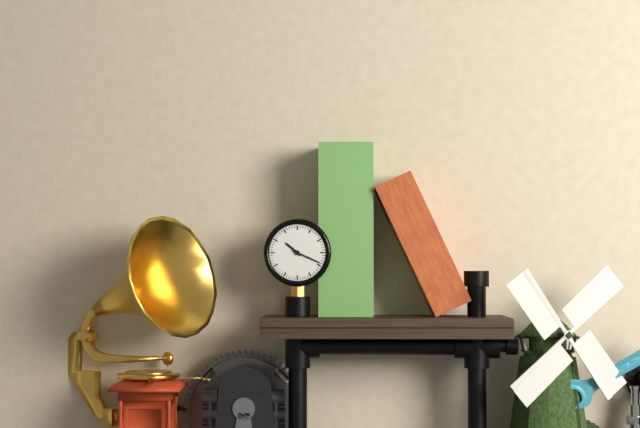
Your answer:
{"hour": 10, "minute": 19}
